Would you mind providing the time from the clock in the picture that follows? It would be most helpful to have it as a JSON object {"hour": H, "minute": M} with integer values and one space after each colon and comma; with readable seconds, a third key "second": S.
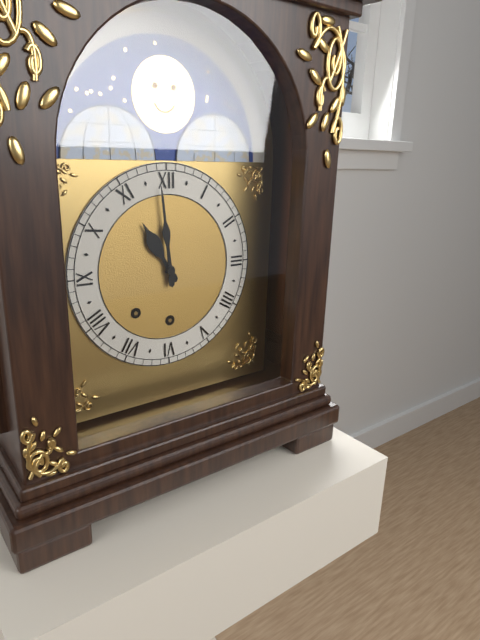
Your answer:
{"hour": 10, "minute": 59}
